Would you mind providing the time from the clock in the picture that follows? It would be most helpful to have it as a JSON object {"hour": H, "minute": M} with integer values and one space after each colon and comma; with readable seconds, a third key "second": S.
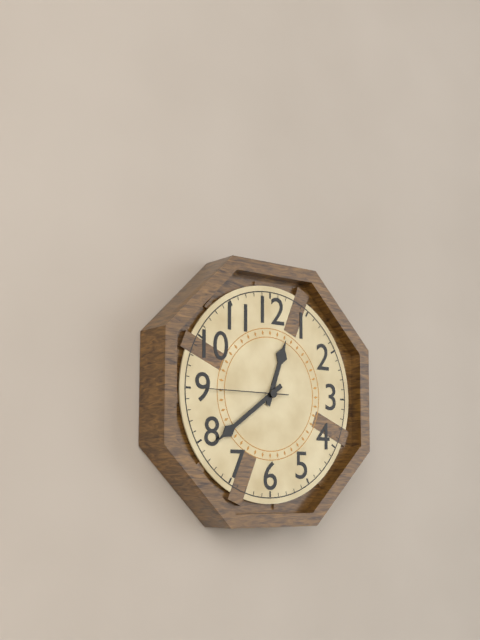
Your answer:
{"hour": 12, "minute": 39, "second": 45}
